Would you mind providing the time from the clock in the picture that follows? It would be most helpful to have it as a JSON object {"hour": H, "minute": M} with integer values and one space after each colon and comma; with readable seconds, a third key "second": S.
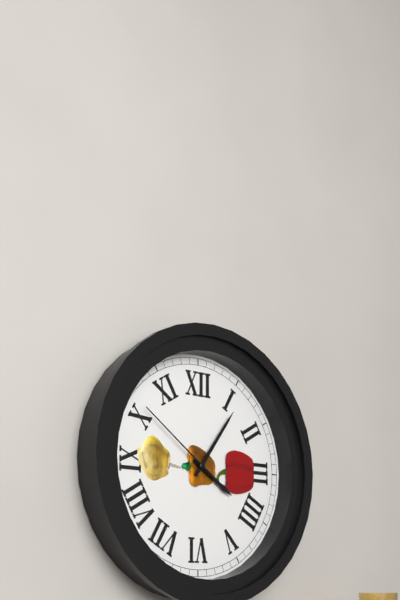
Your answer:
{"hour": 4, "minute": 6, "second": 51}
